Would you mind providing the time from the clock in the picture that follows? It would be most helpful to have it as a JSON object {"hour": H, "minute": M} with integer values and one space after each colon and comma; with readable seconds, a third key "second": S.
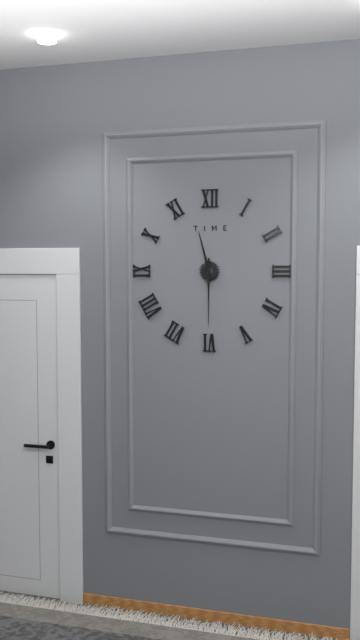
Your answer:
{"hour": 11, "minute": 30}
